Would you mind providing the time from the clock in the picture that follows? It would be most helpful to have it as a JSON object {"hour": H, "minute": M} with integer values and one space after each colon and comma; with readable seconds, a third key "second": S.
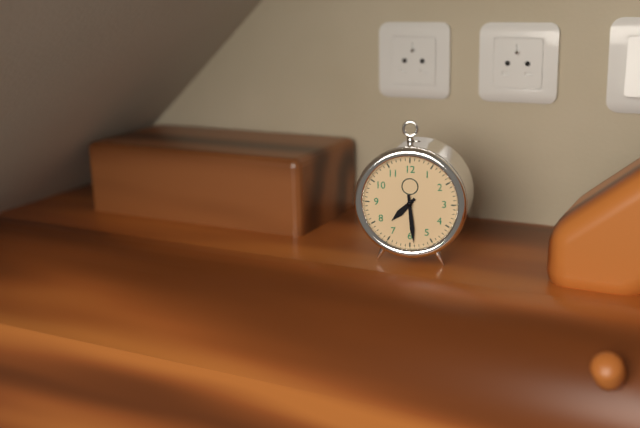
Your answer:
{"hour": 7, "minute": 29}
